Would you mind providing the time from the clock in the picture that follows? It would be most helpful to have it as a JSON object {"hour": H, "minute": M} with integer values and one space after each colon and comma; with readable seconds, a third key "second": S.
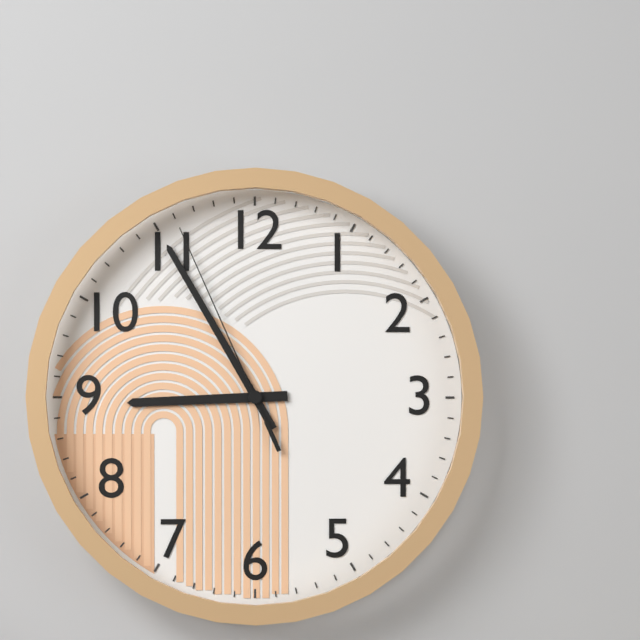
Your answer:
{"hour": 8, "minute": 55, "second": 56}
